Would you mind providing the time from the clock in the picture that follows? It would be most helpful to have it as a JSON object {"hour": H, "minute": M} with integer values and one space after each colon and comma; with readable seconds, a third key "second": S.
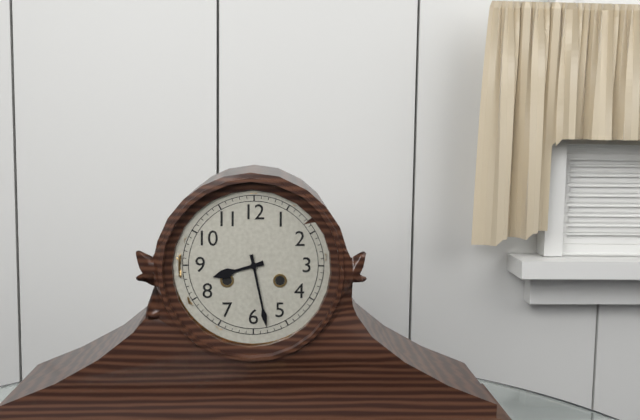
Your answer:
{"hour": 8, "minute": 28}
